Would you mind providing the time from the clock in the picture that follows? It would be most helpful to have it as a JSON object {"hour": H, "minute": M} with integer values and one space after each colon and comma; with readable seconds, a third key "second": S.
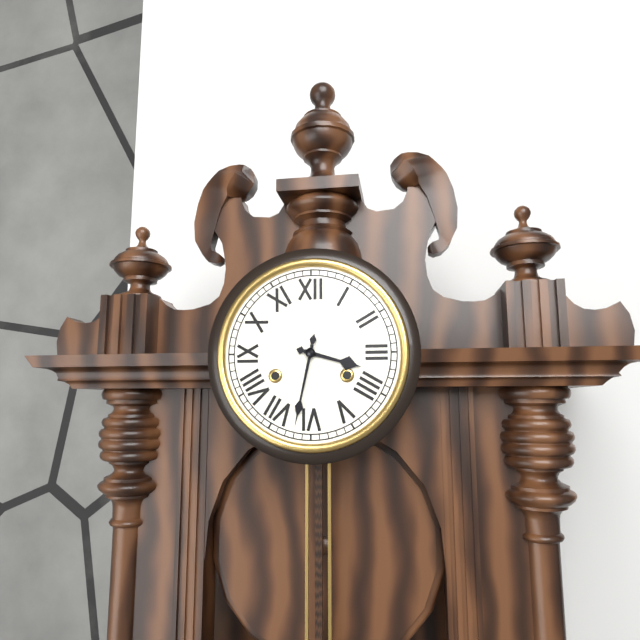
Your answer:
{"hour": 3, "minute": 32}
